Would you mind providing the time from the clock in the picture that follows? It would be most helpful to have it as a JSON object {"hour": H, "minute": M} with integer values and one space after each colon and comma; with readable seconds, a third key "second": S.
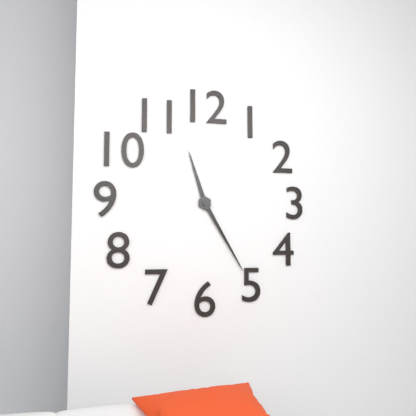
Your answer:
{"hour": 11, "minute": 25}
